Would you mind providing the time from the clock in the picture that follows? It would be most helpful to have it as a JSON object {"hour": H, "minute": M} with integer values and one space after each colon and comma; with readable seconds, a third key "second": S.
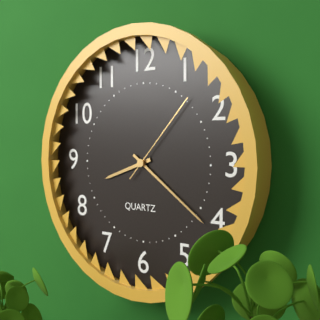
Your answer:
{"hour": 8, "minute": 21, "second": 7}
